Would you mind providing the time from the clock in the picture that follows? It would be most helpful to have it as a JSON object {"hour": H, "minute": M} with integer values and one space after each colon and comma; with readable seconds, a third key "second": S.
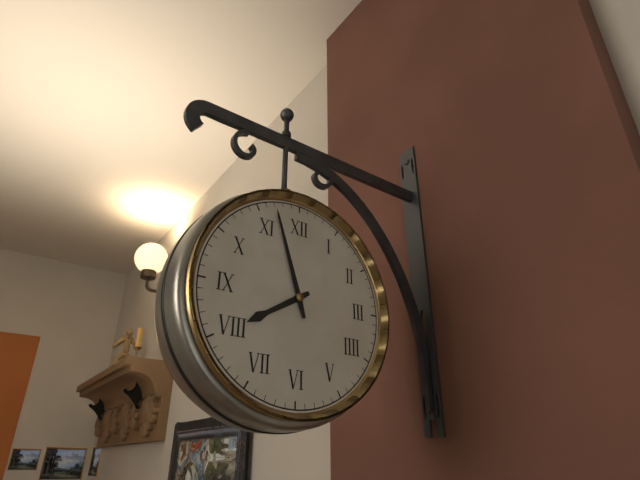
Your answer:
{"hour": 7, "minute": 57}
